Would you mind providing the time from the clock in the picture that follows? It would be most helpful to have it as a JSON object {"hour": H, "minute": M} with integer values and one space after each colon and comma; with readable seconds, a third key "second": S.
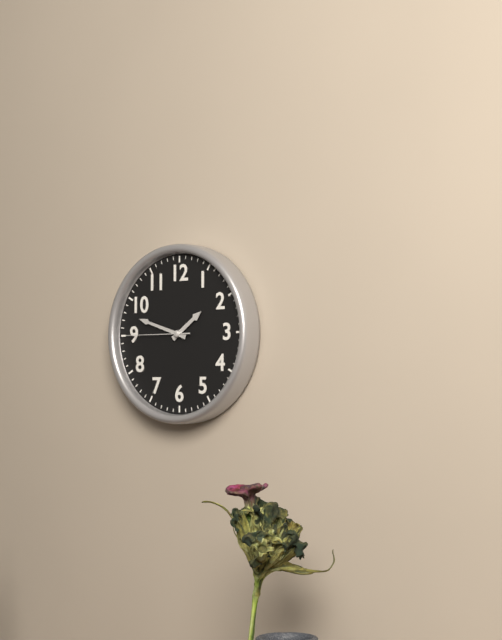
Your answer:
{"hour": 1, "minute": 48, "second": 45}
